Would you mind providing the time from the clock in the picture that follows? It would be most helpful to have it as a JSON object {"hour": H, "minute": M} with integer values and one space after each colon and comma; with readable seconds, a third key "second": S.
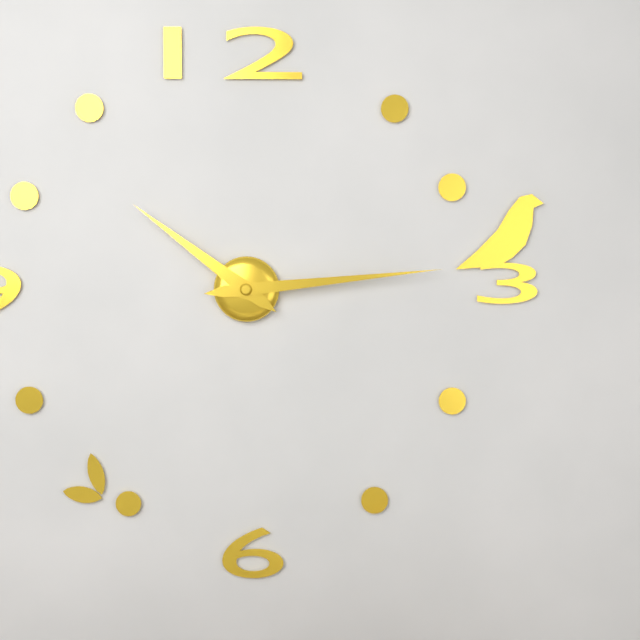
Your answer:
{"hour": 10, "minute": 14}
